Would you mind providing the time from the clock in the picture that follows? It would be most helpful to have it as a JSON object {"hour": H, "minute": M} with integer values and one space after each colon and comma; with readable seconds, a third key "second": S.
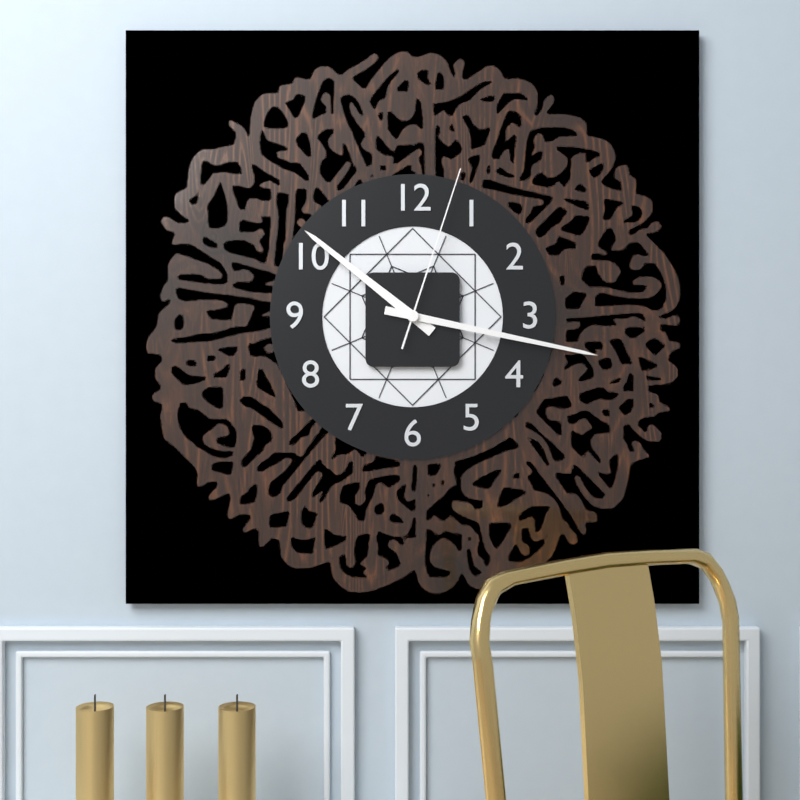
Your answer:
{"hour": 10, "minute": 17, "second": 3}
